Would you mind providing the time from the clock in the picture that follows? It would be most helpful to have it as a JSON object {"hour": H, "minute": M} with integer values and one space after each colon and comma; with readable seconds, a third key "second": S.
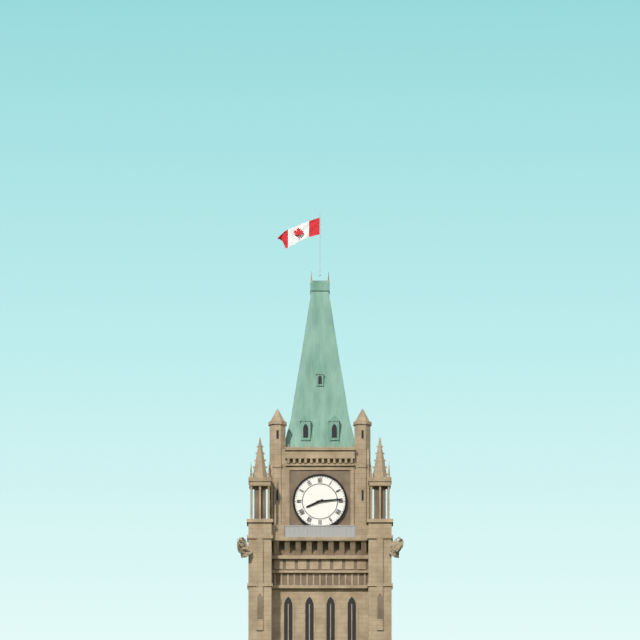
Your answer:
{"hour": 8, "minute": 14}
